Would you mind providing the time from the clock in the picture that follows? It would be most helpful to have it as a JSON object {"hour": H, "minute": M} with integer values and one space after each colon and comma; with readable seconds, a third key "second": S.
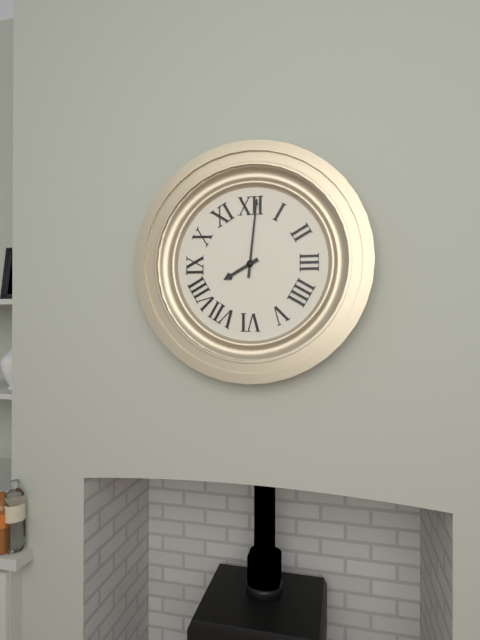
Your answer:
{"hour": 8, "minute": 1}
